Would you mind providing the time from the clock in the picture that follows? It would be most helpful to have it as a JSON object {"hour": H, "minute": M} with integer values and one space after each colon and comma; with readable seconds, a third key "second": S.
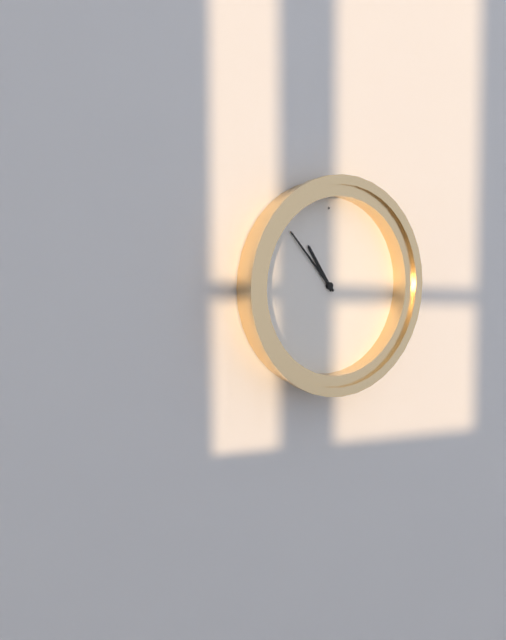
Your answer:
{"hour": 10, "minute": 53}
